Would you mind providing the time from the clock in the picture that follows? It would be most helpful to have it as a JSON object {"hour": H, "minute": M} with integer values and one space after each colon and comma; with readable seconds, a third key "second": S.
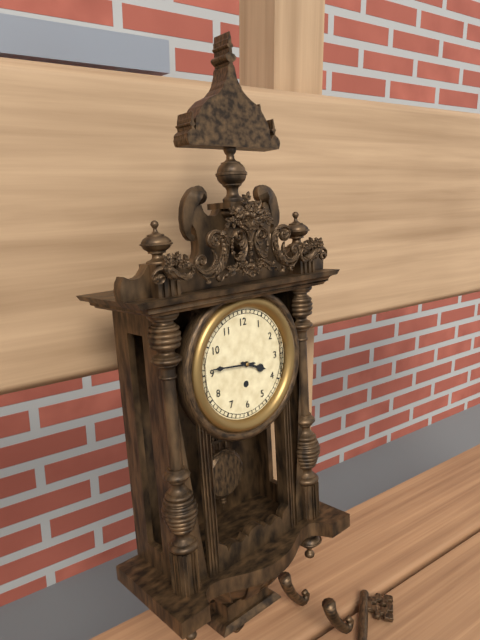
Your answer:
{"hour": 3, "minute": 46}
